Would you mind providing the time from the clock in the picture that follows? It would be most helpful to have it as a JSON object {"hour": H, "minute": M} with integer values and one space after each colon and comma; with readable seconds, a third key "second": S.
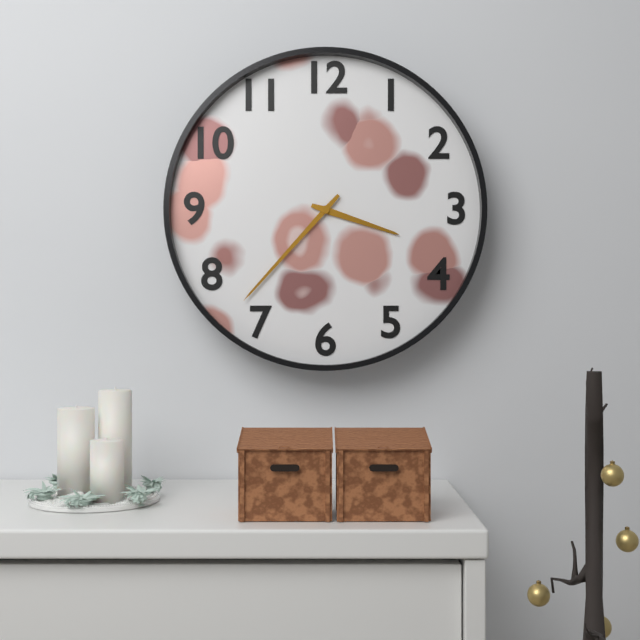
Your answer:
{"hour": 3, "minute": 37}
